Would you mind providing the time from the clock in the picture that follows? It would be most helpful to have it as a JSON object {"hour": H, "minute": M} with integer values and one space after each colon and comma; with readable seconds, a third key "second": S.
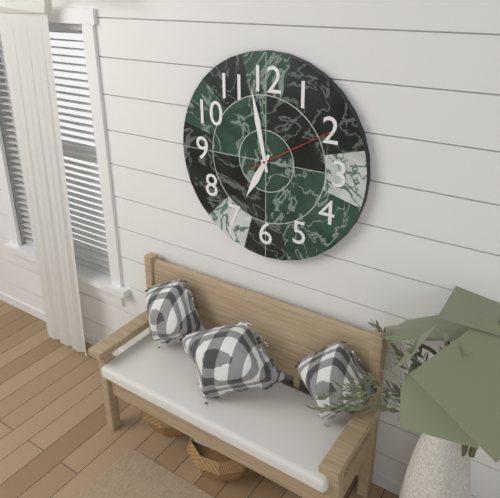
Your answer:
{"hour": 6, "minute": 58, "second": 10}
